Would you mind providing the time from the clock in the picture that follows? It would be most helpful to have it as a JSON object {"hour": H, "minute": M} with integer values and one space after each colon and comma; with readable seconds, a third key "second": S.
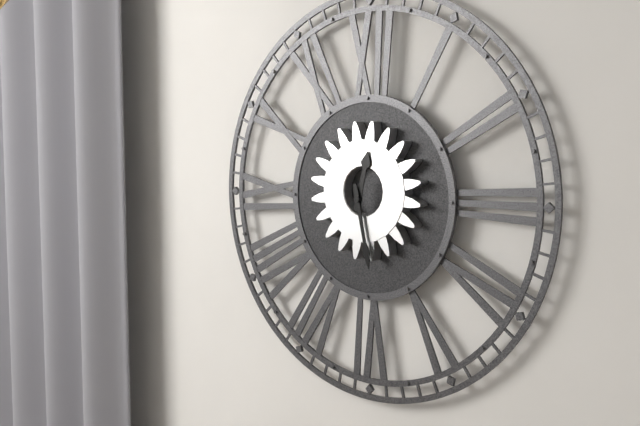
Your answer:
{"hour": 12, "minute": 28}
